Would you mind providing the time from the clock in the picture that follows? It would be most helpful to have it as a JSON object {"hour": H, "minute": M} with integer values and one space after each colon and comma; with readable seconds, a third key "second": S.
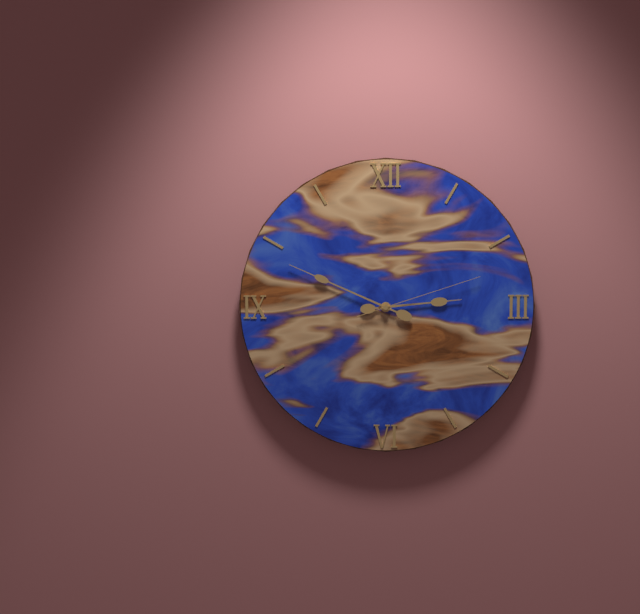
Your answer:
{"hour": 2, "minute": 49, "second": 12}
